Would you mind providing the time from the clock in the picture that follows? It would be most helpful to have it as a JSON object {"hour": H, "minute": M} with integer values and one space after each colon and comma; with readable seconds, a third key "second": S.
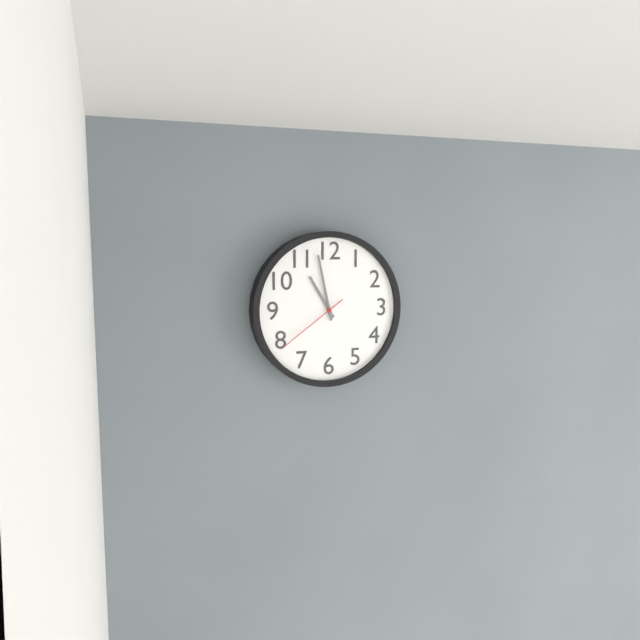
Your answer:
{"hour": 10, "minute": 58, "second": 39}
